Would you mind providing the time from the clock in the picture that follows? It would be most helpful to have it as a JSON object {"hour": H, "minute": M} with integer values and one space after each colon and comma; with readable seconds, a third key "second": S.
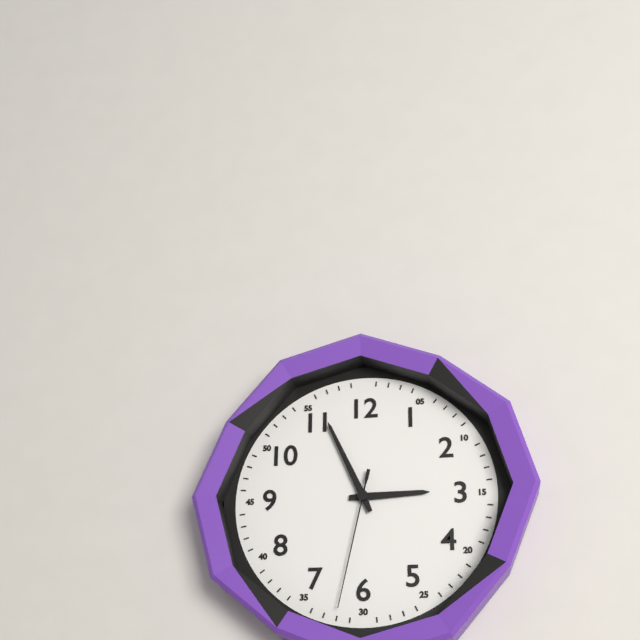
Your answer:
{"hour": 2, "minute": 56, "second": 32}
